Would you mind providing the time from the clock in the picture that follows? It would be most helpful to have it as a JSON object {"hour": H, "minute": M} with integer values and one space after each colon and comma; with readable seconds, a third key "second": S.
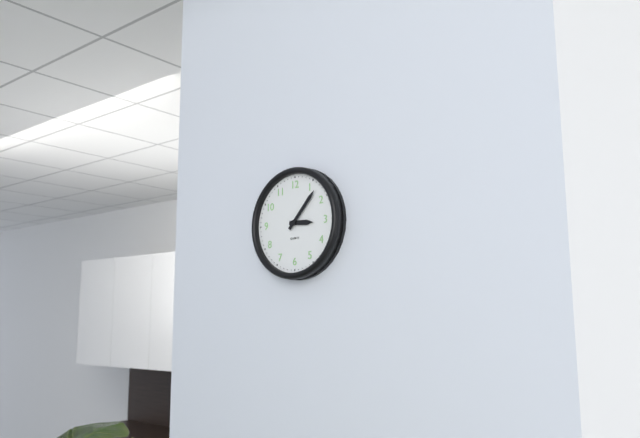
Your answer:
{"hour": 3, "minute": 7}
